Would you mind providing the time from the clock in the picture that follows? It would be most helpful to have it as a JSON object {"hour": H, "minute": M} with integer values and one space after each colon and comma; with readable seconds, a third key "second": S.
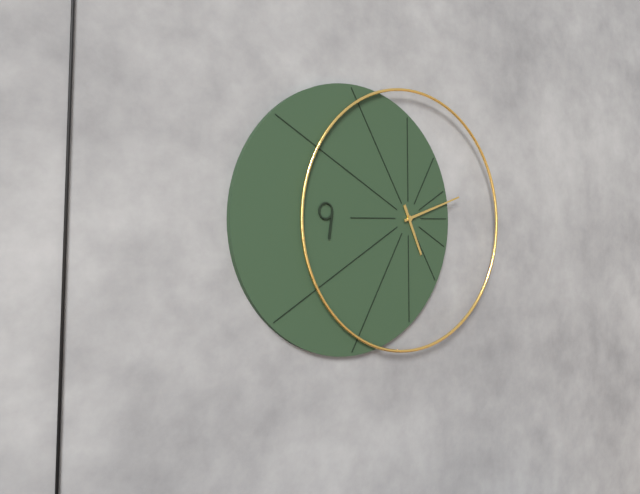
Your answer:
{"hour": 5, "minute": 12}
